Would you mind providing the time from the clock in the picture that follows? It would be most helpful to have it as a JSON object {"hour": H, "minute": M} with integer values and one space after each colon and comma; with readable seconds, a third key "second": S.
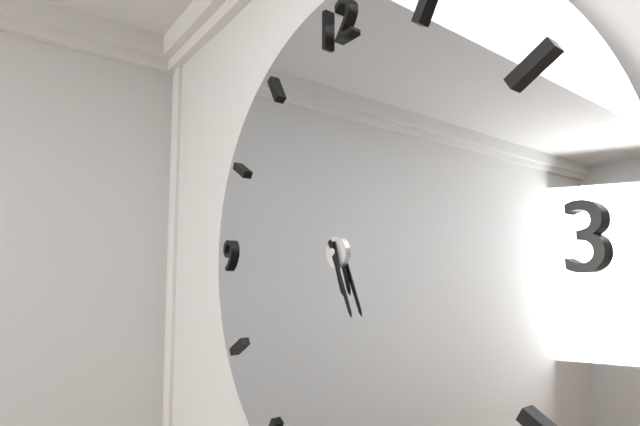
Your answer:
{"hour": 5, "minute": 26}
